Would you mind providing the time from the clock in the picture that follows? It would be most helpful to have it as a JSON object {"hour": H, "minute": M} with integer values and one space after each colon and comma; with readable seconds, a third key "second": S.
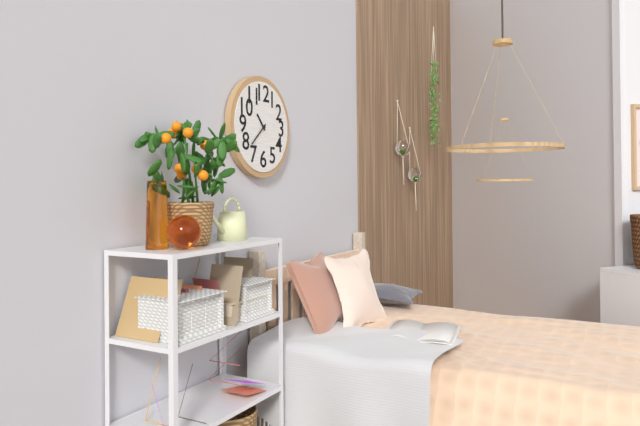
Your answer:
{"hour": 10, "minute": 38}
